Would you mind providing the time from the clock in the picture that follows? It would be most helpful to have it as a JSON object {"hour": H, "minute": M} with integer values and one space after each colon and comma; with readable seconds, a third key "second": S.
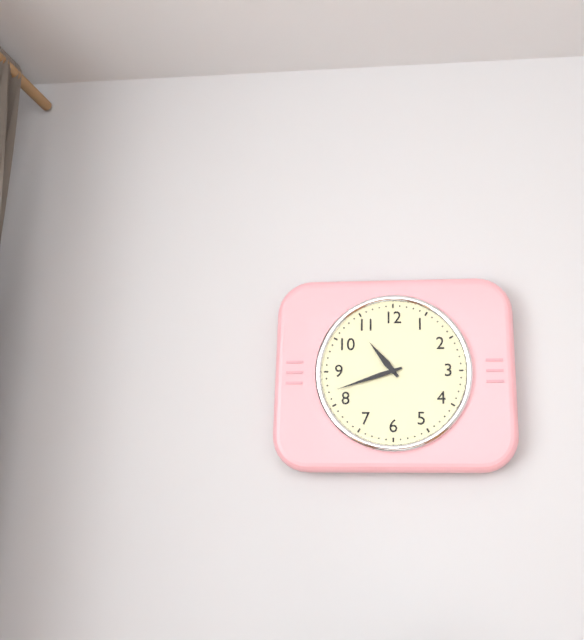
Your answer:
{"hour": 10, "minute": 42}
